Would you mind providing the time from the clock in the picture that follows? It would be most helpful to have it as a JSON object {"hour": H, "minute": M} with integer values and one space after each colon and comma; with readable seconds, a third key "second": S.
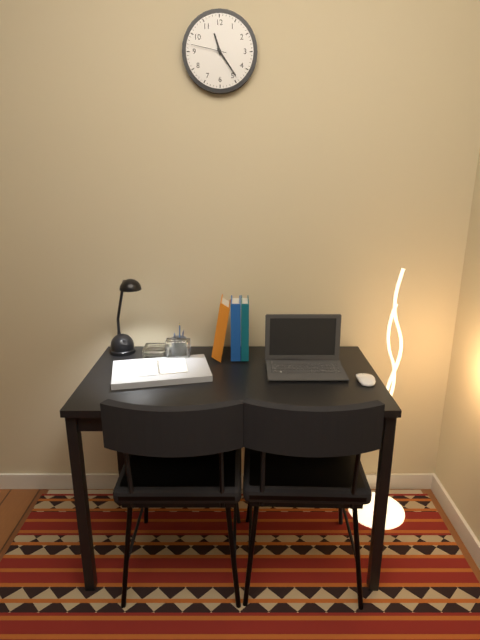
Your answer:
{"hour": 11, "minute": 24}
